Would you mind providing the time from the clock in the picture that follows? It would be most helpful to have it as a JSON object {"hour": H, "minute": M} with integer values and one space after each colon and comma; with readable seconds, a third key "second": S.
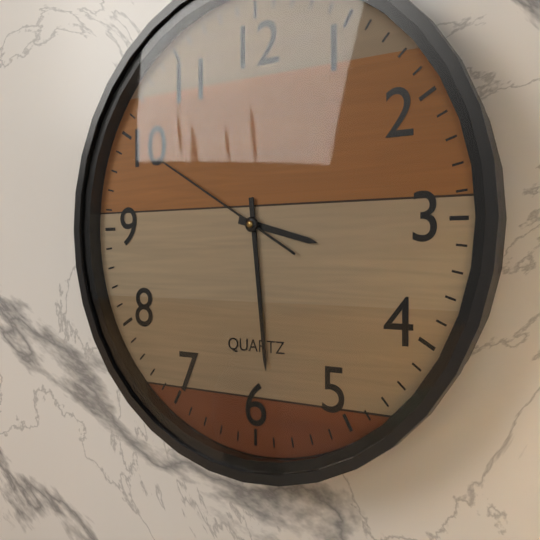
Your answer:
{"hour": 3, "minute": 29, "second": 50}
